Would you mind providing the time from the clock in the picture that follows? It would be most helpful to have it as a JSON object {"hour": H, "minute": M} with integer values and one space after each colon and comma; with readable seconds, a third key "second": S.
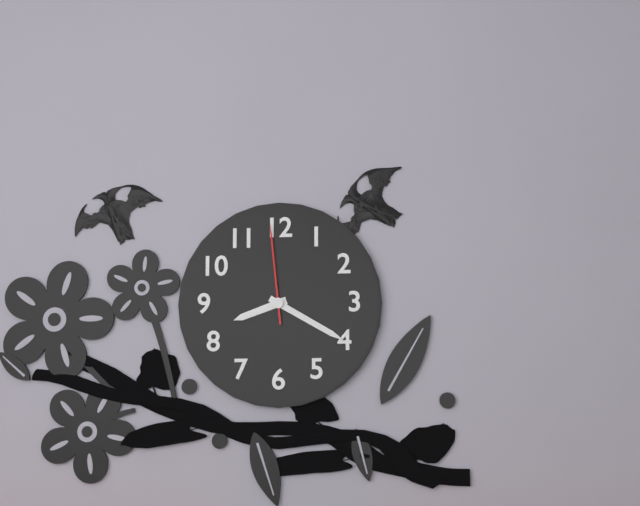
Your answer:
{"hour": 8, "minute": 20, "second": 59}
